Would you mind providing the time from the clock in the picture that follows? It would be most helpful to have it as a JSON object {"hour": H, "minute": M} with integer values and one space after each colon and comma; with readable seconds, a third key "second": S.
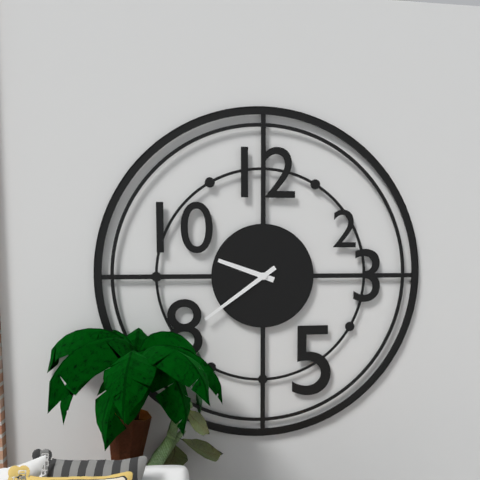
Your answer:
{"hour": 9, "minute": 39}
